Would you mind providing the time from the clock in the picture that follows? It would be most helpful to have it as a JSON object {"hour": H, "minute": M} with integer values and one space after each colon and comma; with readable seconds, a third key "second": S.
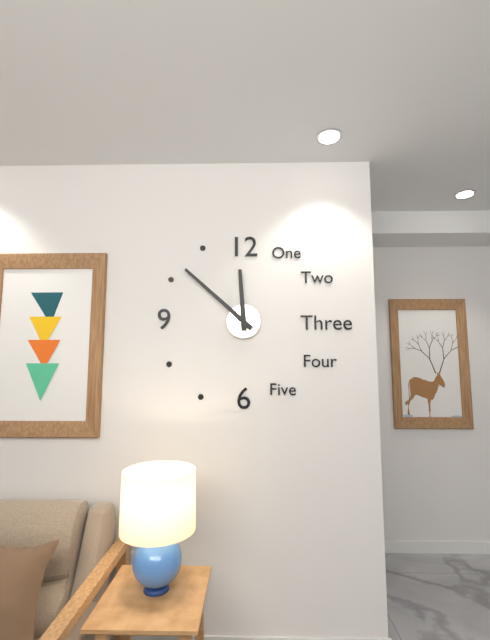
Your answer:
{"hour": 11, "minute": 52}
